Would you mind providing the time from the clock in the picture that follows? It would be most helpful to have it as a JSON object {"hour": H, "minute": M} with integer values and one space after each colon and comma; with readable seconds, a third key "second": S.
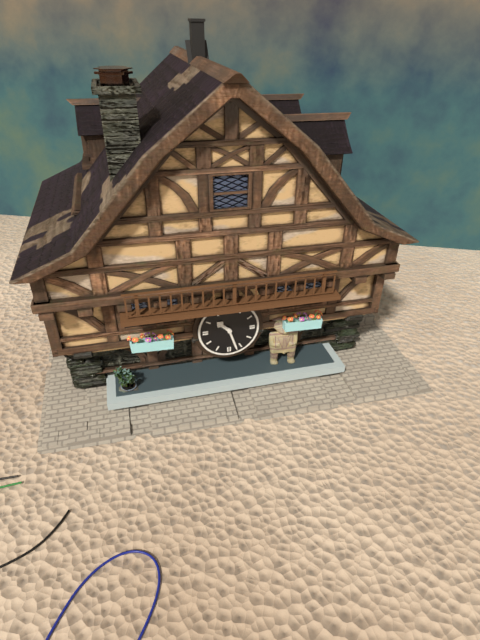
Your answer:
{"hour": 10, "minute": 27}
